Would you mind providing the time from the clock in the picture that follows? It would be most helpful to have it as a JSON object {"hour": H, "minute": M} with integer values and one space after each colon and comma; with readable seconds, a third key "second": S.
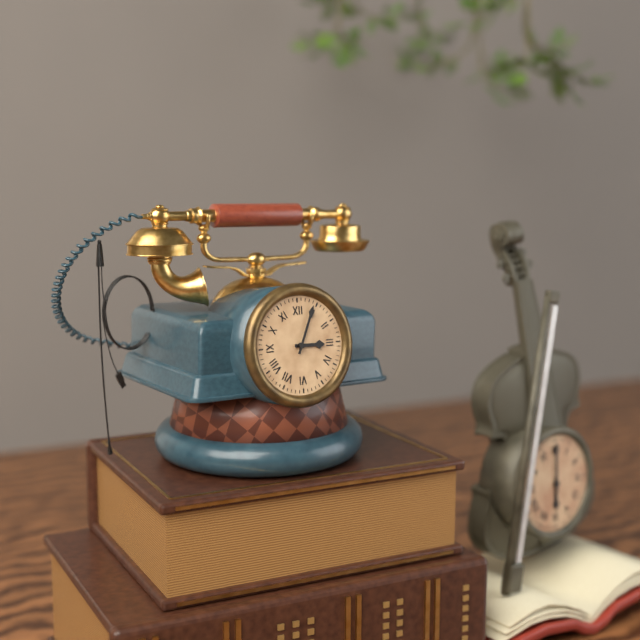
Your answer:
{"hour": 3, "minute": 4}
